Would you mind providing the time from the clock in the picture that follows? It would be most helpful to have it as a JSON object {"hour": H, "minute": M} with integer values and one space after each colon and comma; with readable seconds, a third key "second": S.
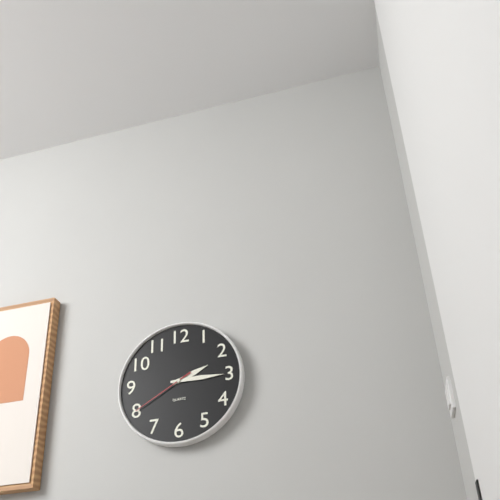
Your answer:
{"hour": 2, "minute": 15, "second": 40}
